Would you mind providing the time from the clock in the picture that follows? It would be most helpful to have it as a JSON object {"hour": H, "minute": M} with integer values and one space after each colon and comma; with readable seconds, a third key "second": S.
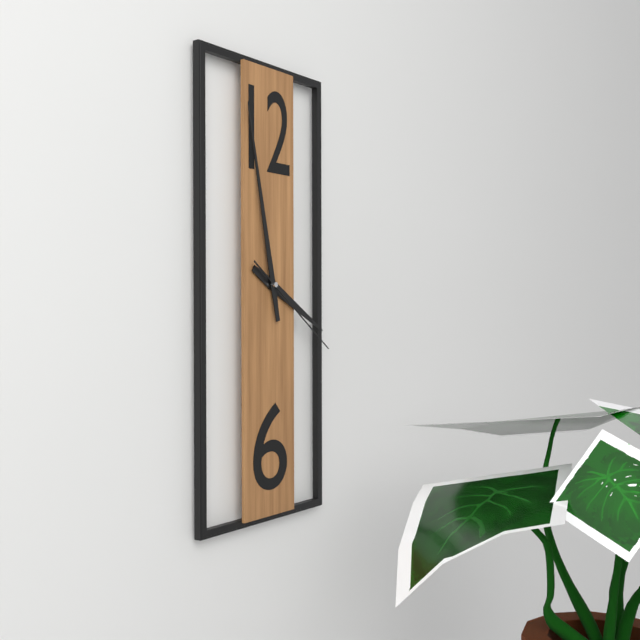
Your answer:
{"hour": 3, "minute": 58, "second": 21}
